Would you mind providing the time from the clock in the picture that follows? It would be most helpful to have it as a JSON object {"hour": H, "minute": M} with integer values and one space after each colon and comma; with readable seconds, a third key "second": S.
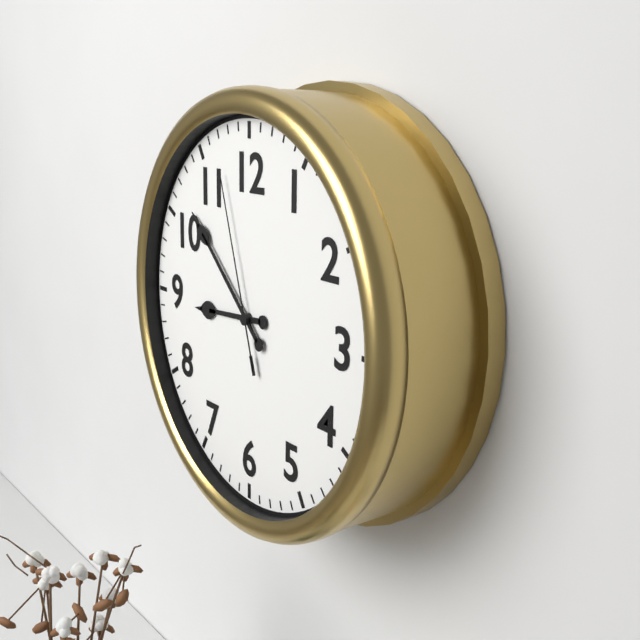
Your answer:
{"hour": 8, "minute": 52, "second": 57}
